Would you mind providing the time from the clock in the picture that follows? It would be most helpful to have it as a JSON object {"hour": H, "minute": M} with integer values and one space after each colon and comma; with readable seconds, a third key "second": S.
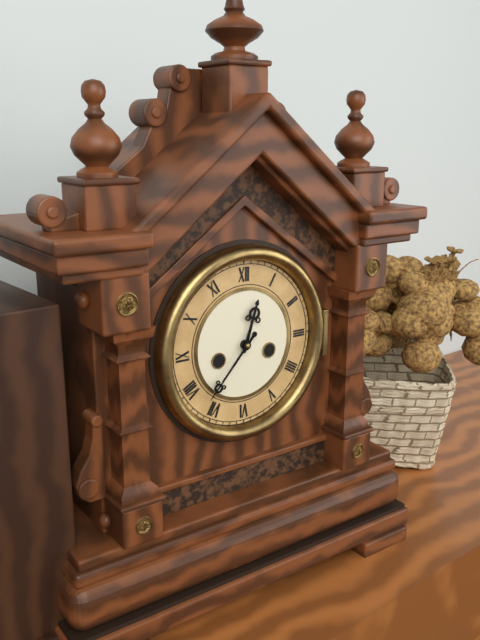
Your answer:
{"hour": 12, "minute": 37}
